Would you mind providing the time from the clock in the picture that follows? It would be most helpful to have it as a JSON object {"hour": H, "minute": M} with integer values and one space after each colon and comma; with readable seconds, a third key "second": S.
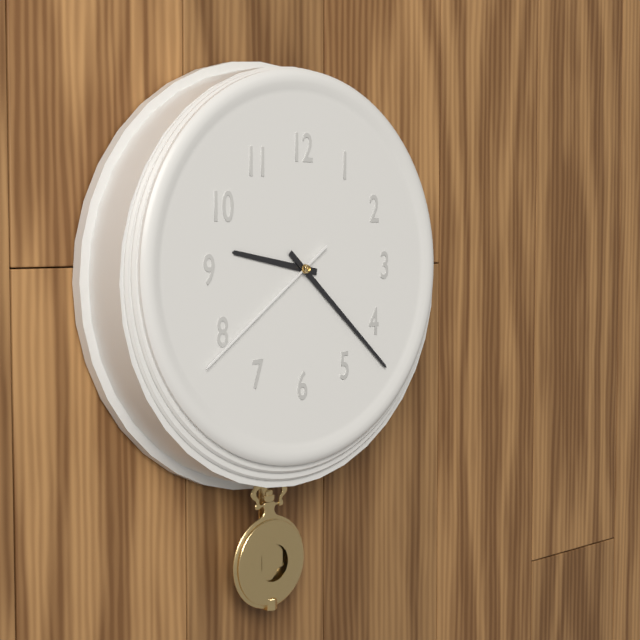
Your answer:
{"hour": 9, "minute": 22, "second": 39}
